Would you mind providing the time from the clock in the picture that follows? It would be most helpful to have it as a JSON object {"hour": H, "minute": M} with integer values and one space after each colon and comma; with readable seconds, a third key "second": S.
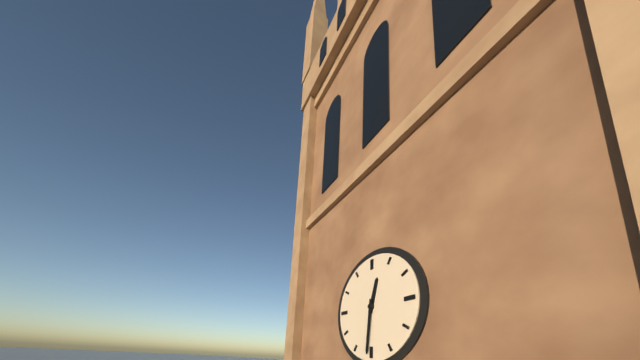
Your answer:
{"hour": 12, "minute": 31}
